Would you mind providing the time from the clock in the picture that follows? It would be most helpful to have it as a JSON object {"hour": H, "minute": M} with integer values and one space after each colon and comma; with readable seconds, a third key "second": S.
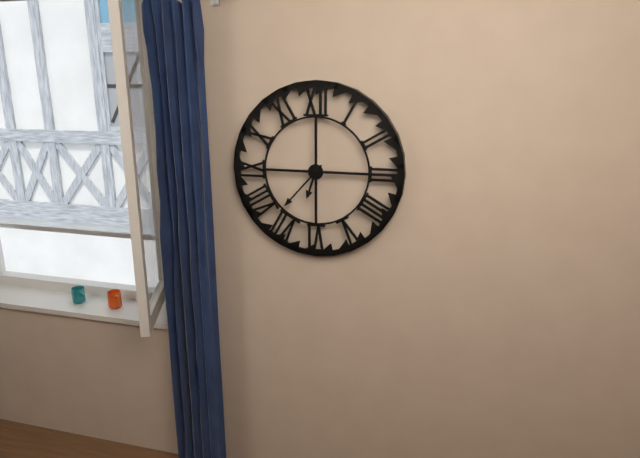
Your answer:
{"hour": 6, "minute": 37}
